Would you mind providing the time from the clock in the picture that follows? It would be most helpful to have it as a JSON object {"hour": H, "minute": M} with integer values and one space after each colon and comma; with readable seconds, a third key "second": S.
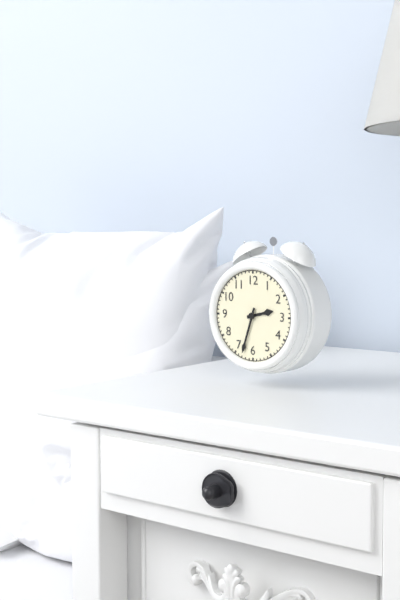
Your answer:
{"hour": 2, "minute": 33}
